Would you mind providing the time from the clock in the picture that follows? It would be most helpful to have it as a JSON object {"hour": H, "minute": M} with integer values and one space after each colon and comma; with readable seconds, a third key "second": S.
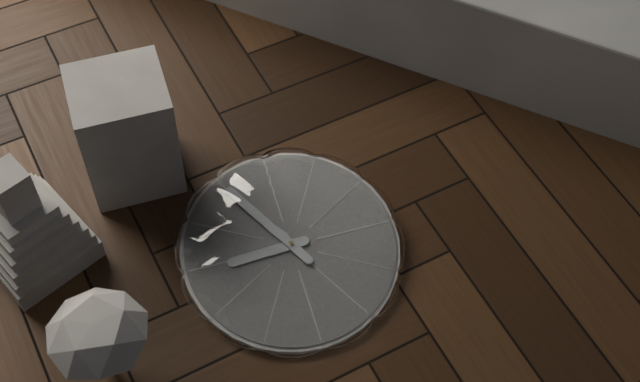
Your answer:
{"hour": 8, "minute": 55}
